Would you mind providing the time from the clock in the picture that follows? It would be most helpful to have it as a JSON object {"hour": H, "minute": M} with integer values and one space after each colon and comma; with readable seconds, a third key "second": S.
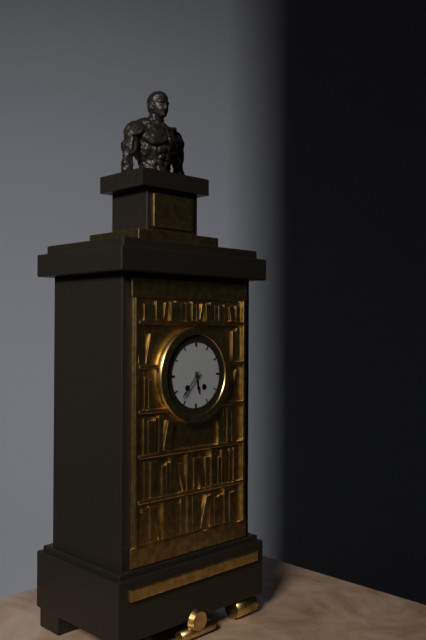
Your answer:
{"hour": 5, "minute": 37}
